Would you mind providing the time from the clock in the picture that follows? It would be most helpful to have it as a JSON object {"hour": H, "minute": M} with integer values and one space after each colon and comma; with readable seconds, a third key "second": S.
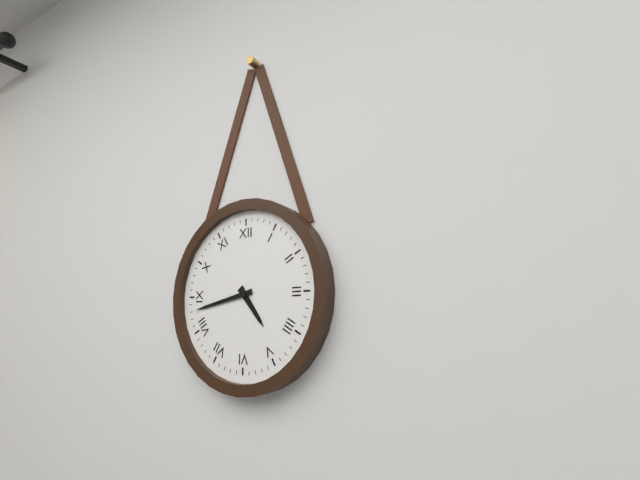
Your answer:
{"hour": 4, "minute": 43}
